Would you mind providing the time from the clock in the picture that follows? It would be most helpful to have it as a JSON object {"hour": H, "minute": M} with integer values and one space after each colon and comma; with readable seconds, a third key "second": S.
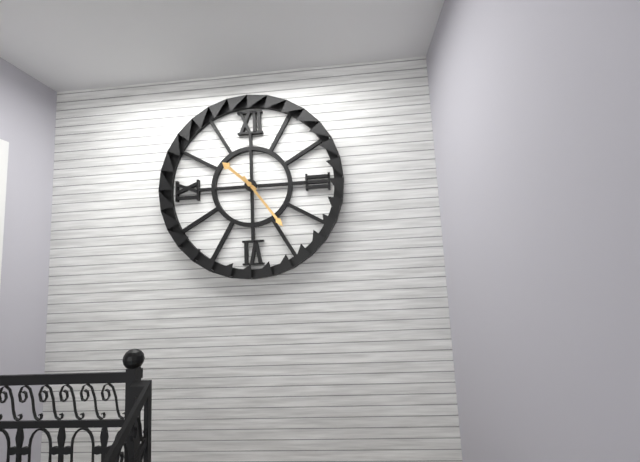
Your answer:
{"hour": 10, "minute": 24}
